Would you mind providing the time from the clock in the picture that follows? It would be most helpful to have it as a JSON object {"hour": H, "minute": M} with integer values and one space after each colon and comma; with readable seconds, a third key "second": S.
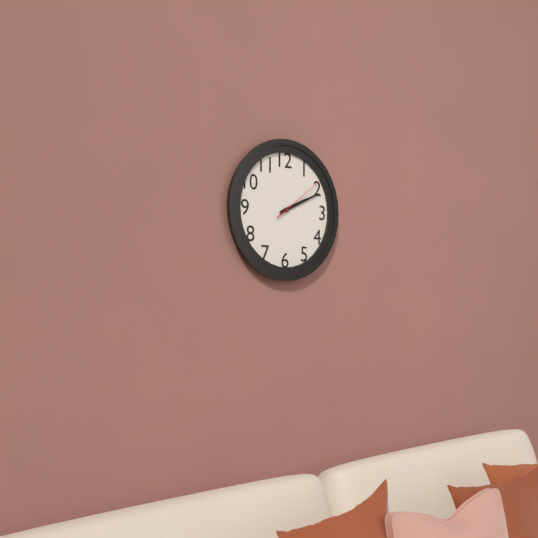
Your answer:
{"hour": 2, "minute": 11, "second": 9}
